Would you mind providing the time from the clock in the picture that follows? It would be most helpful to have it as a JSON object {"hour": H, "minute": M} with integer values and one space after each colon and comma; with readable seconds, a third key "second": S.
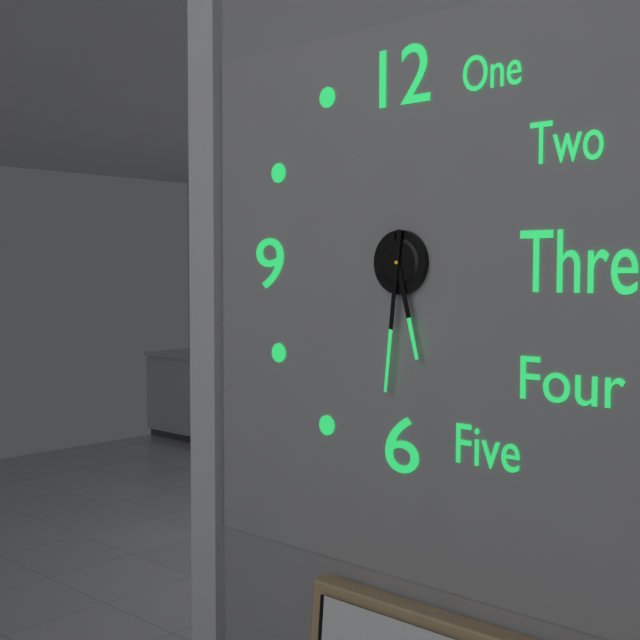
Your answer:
{"hour": 5, "minute": 31}
